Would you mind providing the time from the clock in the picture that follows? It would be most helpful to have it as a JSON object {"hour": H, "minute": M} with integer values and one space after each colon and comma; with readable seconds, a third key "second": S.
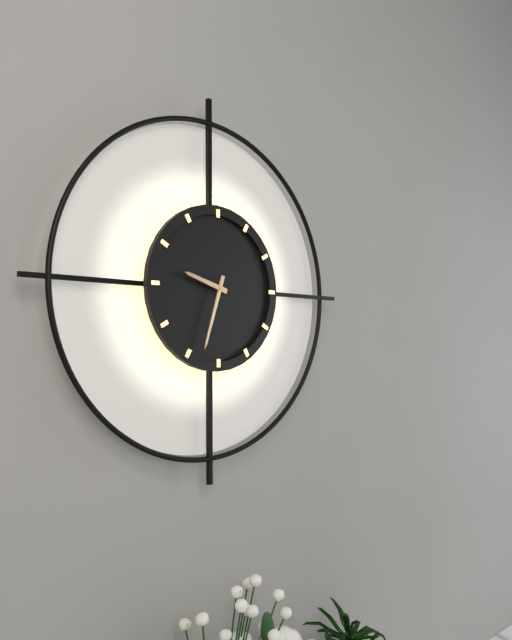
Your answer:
{"hour": 9, "minute": 33}
